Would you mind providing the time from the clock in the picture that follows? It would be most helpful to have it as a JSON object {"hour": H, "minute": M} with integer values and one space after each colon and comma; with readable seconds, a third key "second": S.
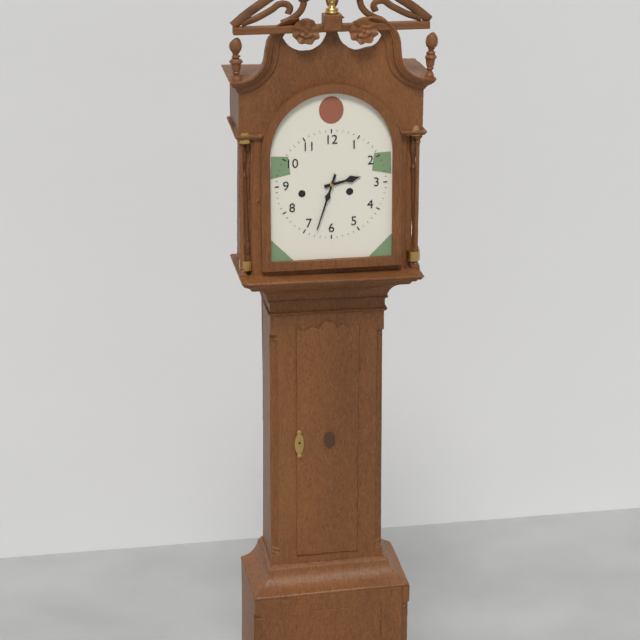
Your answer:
{"hour": 2, "minute": 33}
